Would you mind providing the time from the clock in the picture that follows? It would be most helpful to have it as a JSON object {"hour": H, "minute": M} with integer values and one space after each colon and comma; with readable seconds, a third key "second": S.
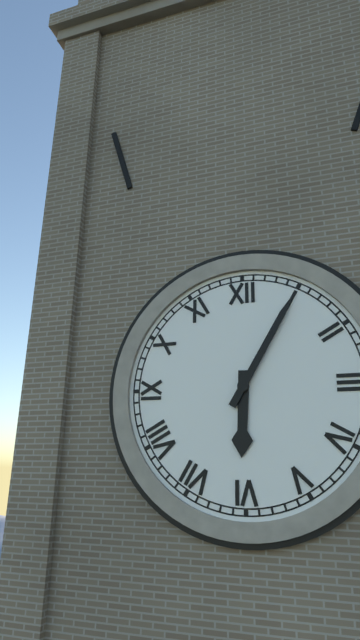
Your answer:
{"hour": 6, "minute": 5}
